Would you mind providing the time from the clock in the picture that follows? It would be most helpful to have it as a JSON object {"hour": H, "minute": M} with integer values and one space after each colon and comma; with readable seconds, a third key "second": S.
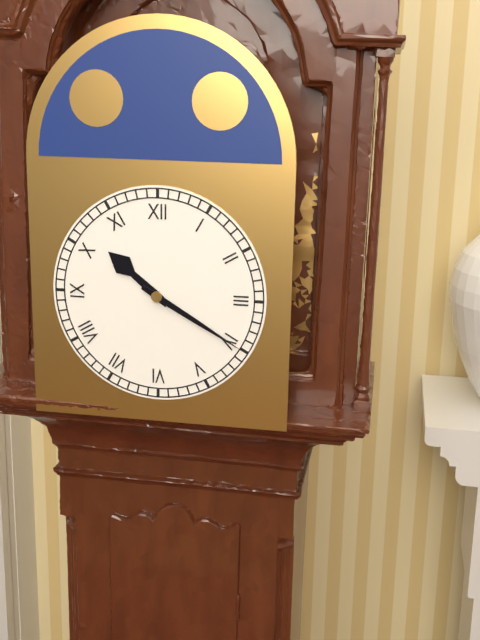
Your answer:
{"hour": 10, "minute": 20}
